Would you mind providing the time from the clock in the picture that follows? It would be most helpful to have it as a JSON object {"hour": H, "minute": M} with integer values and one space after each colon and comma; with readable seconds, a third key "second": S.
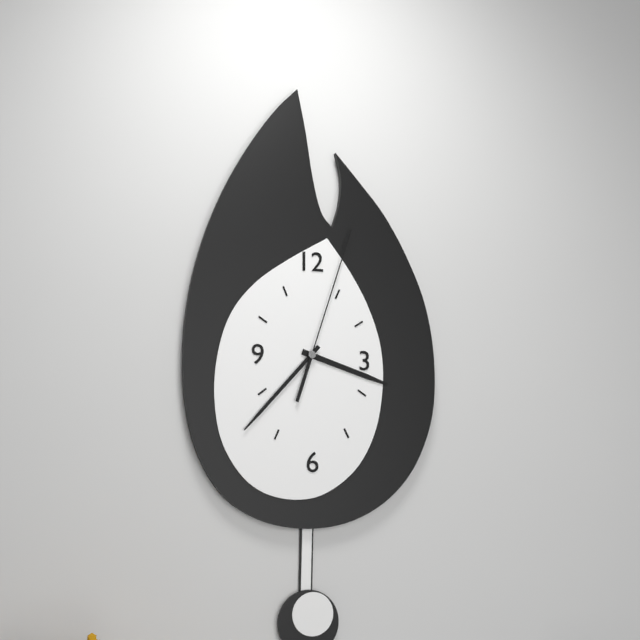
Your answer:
{"hour": 3, "minute": 37, "second": 3}
